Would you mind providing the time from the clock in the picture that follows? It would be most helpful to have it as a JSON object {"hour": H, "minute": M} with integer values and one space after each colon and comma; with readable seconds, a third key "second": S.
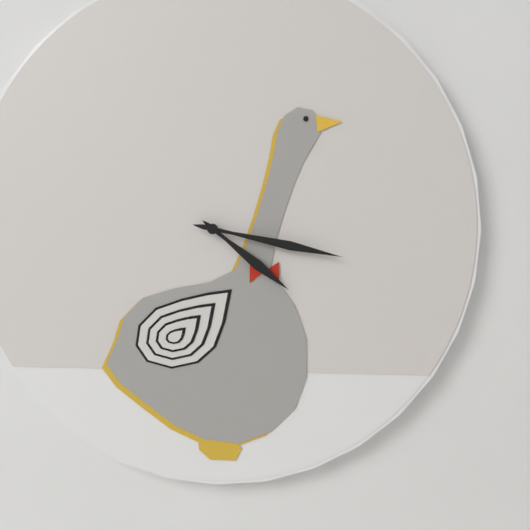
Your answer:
{"hour": 4, "minute": 17}
